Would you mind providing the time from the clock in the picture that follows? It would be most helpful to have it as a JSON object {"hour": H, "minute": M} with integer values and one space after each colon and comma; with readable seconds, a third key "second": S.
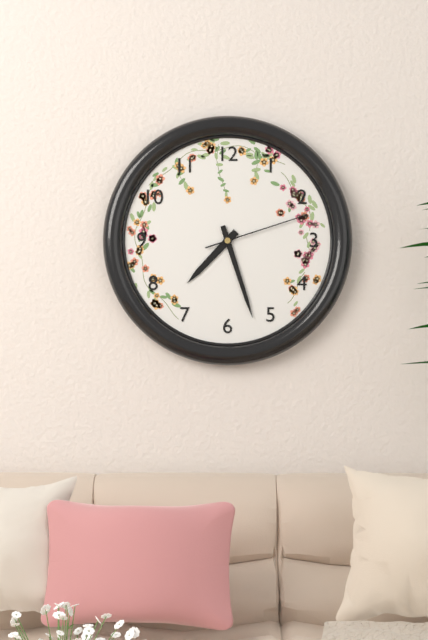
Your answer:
{"hour": 7, "minute": 27, "second": 12}
